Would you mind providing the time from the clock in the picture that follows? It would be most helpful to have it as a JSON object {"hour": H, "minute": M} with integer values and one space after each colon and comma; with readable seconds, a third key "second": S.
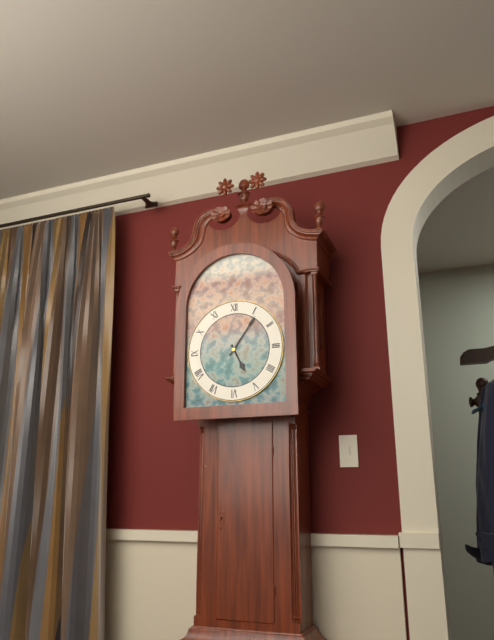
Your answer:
{"hour": 5, "minute": 6}
